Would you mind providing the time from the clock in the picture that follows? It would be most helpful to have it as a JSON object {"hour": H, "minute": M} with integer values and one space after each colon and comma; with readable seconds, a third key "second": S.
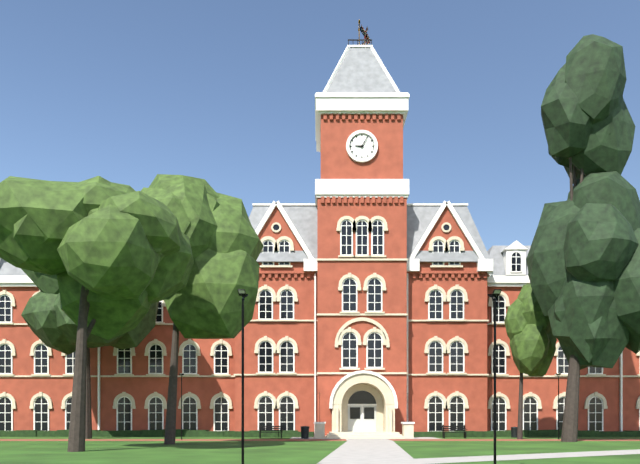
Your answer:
{"hour": 9, "minute": 5}
